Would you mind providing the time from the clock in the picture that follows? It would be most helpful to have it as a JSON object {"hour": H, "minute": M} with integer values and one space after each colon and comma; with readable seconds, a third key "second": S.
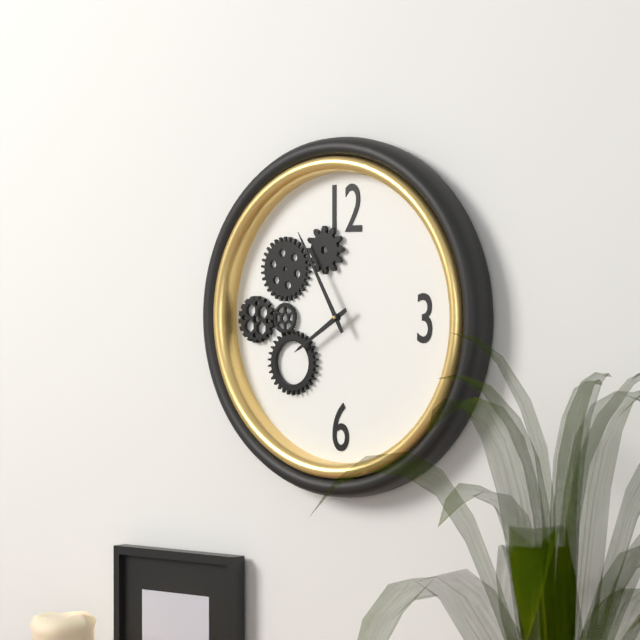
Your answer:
{"hour": 7, "minute": 55}
